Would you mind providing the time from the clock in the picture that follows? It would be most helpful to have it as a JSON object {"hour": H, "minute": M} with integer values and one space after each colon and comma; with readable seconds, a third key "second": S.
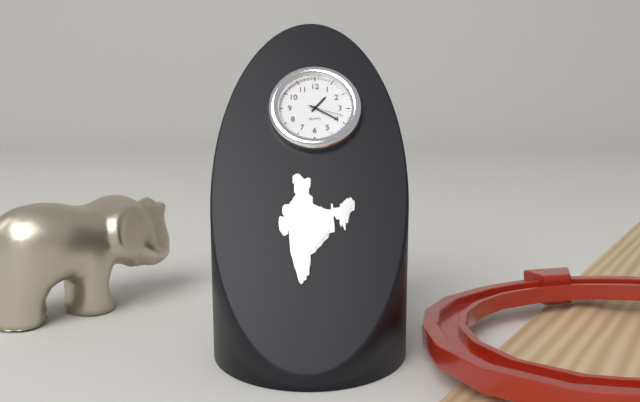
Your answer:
{"hour": 1, "minute": 20}
